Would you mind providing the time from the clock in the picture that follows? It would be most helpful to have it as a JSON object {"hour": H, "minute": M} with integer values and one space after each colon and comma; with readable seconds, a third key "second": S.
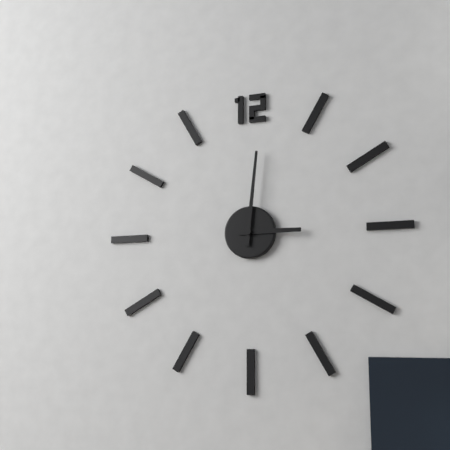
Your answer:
{"hour": 3, "minute": 1}
